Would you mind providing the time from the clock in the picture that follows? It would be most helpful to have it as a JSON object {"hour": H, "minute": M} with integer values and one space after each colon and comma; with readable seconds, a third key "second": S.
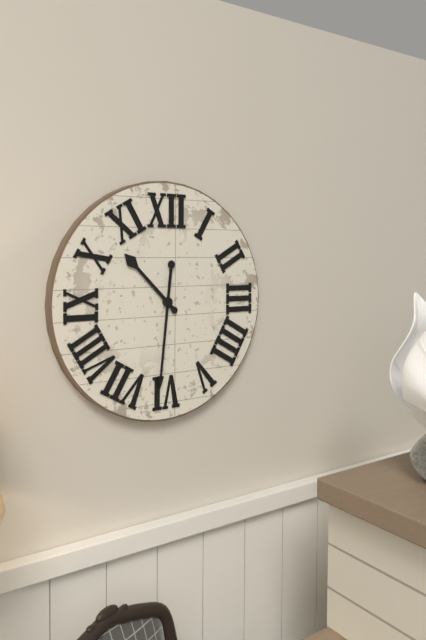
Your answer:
{"hour": 10, "minute": 31}
